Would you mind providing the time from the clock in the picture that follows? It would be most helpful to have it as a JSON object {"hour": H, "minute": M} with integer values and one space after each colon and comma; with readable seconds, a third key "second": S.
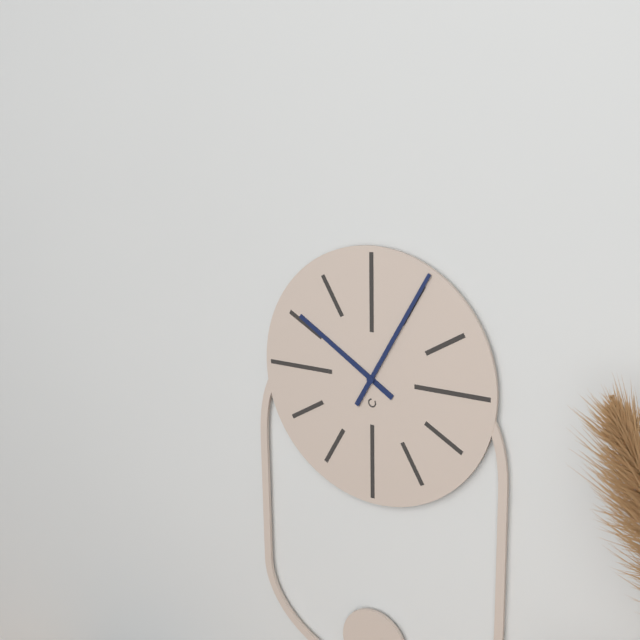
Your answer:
{"hour": 10, "minute": 5}
